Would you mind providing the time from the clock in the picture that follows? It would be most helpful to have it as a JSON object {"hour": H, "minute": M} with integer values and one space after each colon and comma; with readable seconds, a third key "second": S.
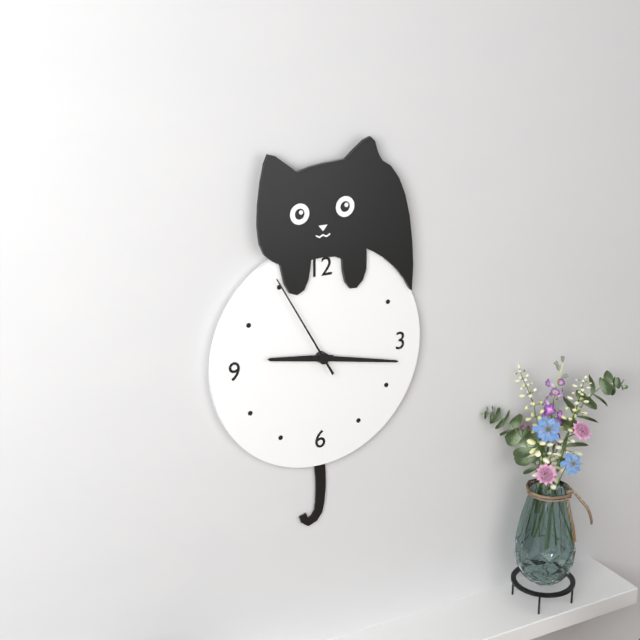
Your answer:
{"hour": 9, "minute": 17, "second": 55}
